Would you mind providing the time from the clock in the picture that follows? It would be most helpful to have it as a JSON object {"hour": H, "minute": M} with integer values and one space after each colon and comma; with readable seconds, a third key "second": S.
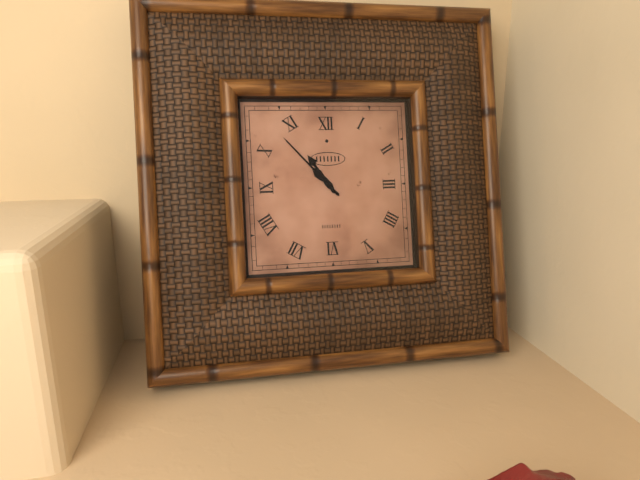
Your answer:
{"hour": 10, "minute": 53}
